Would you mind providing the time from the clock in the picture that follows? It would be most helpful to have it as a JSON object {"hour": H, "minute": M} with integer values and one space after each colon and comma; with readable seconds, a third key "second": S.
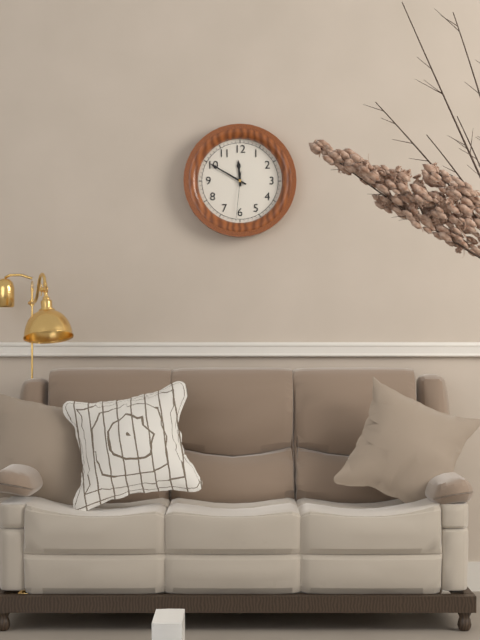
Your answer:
{"hour": 11, "minute": 50}
